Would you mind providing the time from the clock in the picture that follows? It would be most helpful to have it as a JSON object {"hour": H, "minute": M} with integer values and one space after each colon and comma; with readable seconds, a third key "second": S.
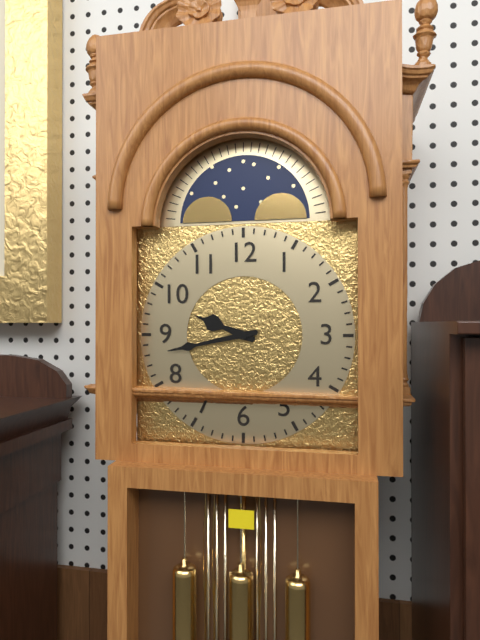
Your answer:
{"hour": 9, "minute": 43}
